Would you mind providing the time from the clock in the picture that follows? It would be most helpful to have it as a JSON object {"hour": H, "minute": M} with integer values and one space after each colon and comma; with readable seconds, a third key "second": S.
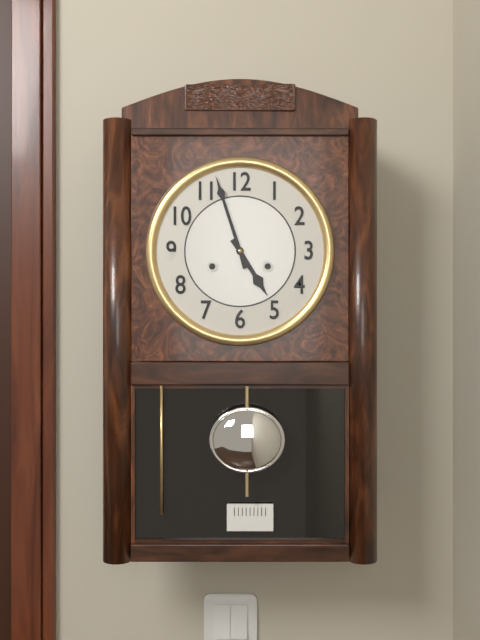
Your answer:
{"hour": 4, "minute": 57}
